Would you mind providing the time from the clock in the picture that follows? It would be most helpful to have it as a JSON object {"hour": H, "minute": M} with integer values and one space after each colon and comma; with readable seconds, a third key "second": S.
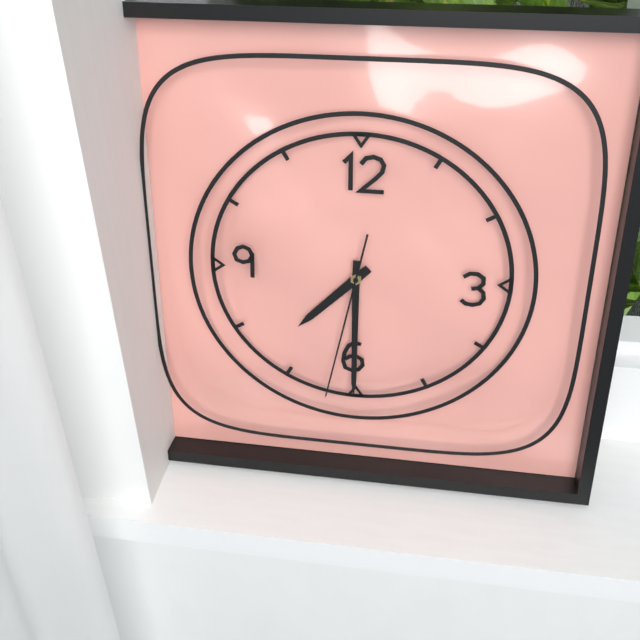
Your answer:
{"hour": 7, "minute": 30, "second": 32}
